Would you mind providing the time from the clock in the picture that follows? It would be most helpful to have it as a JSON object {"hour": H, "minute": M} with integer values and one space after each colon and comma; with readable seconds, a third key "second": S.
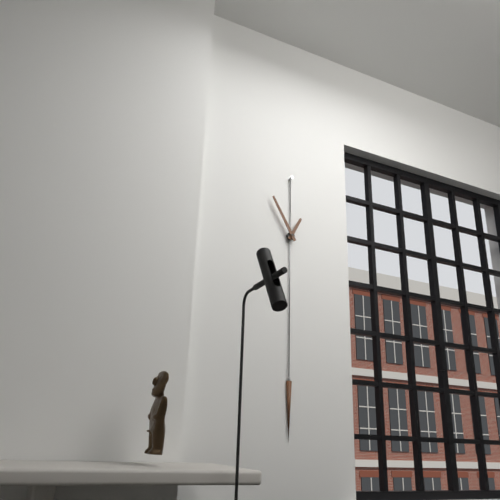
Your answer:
{"hour": 12, "minute": 55}
